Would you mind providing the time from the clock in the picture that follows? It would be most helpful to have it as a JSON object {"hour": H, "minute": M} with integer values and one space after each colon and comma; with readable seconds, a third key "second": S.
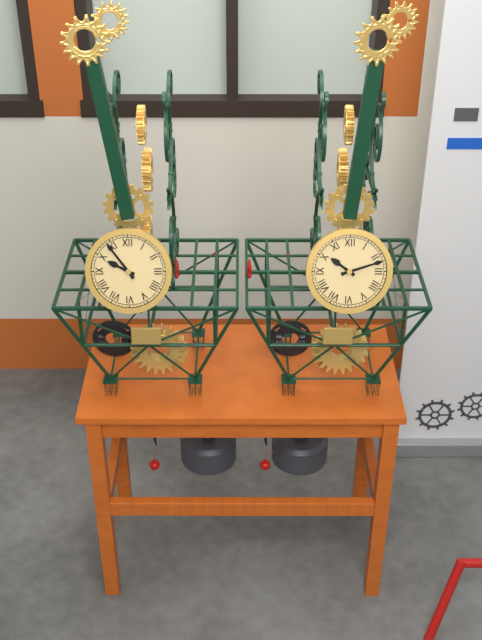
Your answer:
{"hour": 9, "minute": 54}
